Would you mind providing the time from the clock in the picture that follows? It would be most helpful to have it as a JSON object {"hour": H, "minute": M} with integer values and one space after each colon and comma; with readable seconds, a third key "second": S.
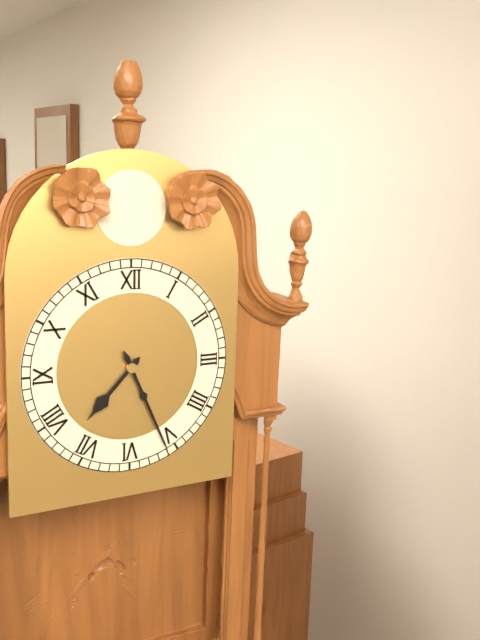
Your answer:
{"hour": 7, "minute": 26}
